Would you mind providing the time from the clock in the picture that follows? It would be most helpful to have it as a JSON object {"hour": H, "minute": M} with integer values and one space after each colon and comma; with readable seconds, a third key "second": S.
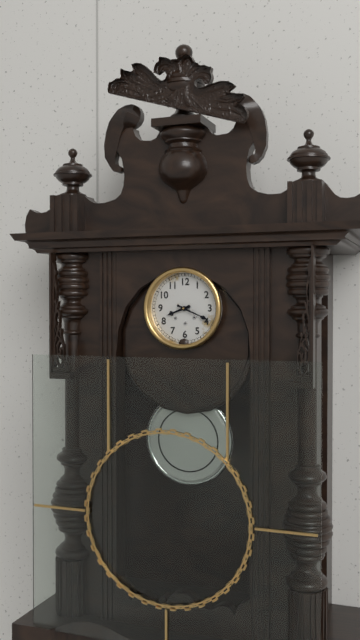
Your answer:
{"hour": 8, "minute": 19}
